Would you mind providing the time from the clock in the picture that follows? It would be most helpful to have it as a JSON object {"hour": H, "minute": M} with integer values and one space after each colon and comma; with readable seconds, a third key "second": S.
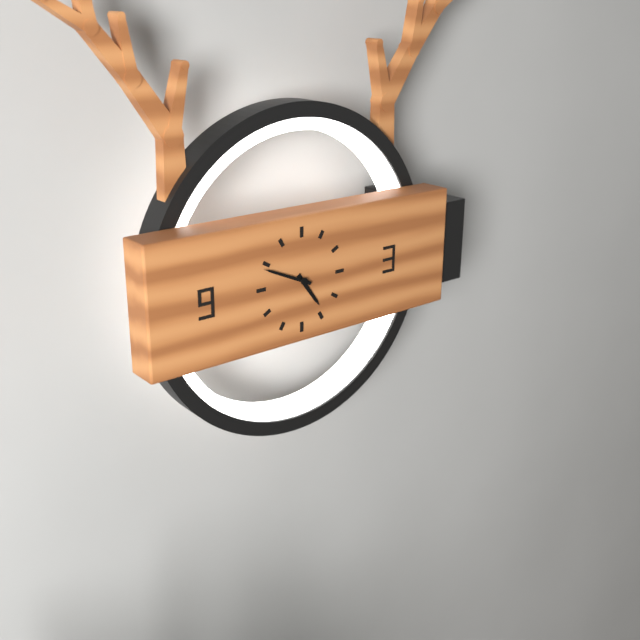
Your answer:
{"hour": 4, "minute": 49}
